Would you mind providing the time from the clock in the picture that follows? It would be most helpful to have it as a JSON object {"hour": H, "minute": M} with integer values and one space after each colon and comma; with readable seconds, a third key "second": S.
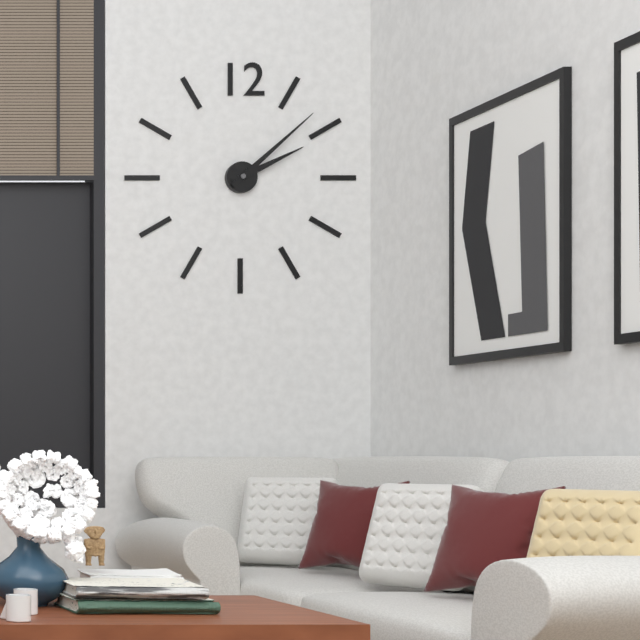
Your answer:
{"hour": 2, "minute": 8}
